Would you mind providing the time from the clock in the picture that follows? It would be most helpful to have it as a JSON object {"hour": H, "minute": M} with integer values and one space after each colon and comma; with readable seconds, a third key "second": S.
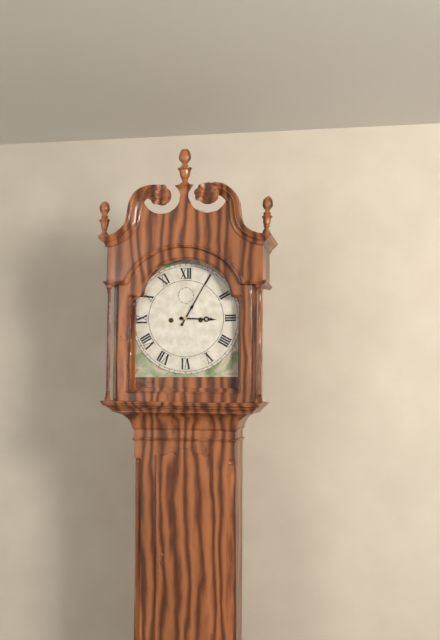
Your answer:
{"hour": 3, "minute": 5}
